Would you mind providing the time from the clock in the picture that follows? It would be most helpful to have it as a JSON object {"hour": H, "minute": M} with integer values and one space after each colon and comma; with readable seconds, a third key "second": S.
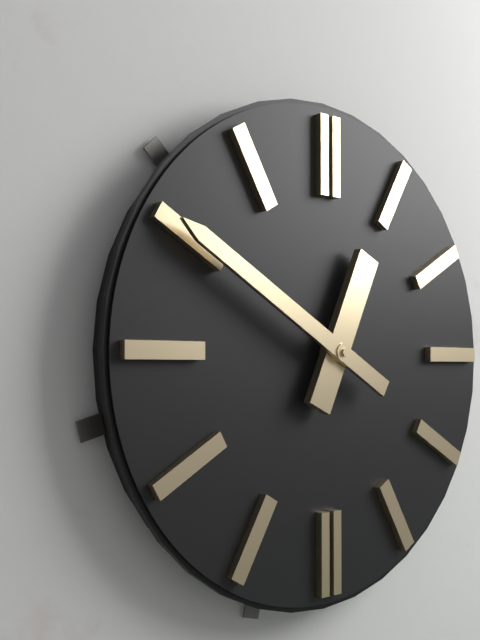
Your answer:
{"hour": 12, "minute": 50}
